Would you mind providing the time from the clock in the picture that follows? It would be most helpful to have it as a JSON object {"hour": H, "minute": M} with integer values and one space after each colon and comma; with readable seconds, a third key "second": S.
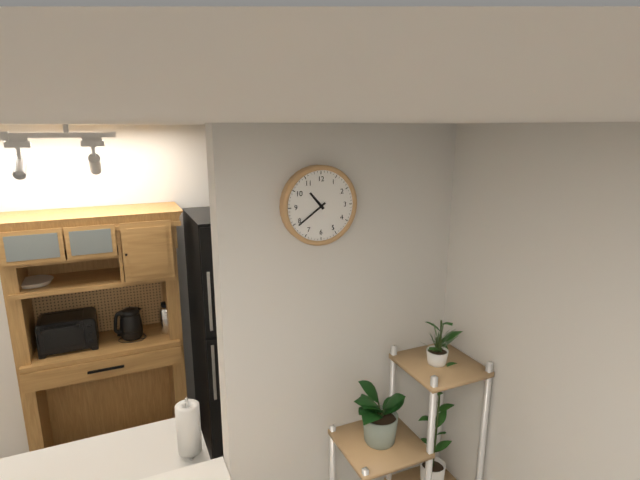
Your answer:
{"hour": 10, "minute": 39}
